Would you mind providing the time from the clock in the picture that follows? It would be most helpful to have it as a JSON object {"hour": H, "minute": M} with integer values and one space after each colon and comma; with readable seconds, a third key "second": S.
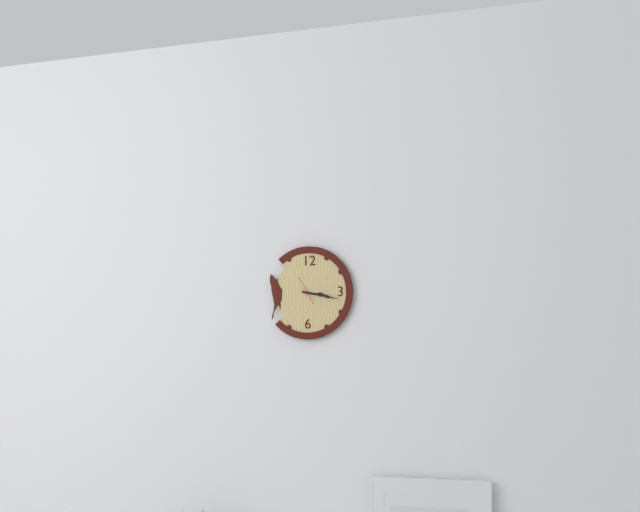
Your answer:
{"hour": 3, "minute": 17}
